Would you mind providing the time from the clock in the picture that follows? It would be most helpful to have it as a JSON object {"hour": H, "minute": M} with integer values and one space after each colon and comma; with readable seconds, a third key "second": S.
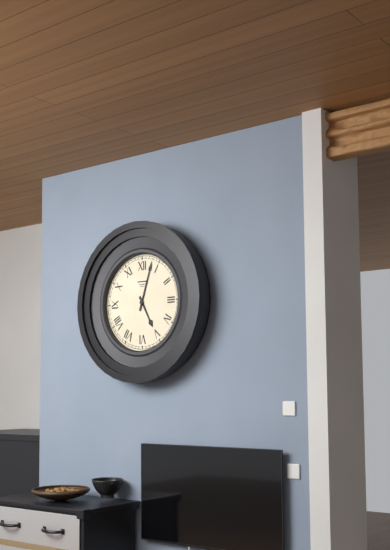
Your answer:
{"hour": 5, "minute": 3}
